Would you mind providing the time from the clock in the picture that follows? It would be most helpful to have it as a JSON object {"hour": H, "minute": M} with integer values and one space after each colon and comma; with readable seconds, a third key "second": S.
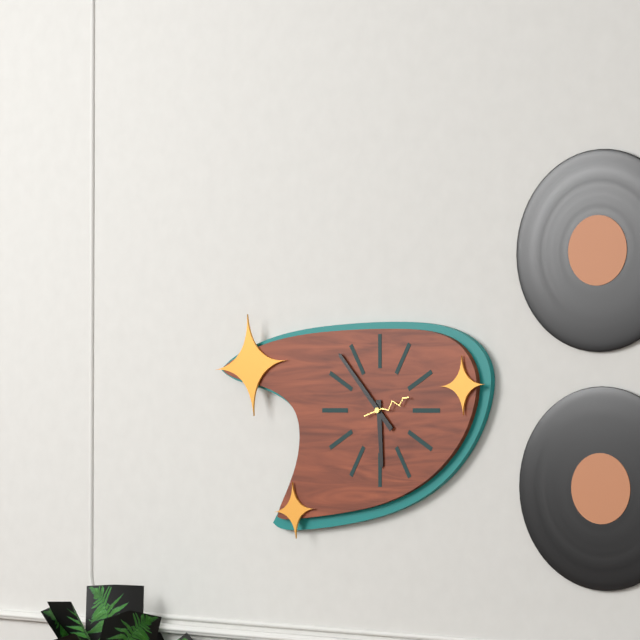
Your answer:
{"hour": 5, "minute": 53}
